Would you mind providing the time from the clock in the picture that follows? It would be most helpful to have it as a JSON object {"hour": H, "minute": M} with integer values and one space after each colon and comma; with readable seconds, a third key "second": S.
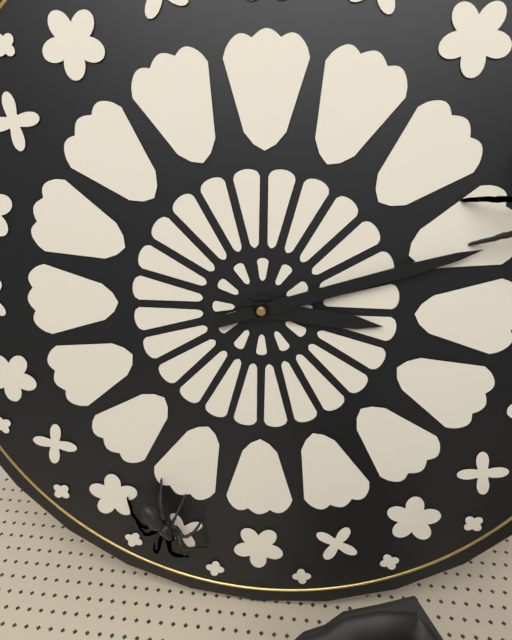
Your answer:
{"hour": 3, "minute": 12}
